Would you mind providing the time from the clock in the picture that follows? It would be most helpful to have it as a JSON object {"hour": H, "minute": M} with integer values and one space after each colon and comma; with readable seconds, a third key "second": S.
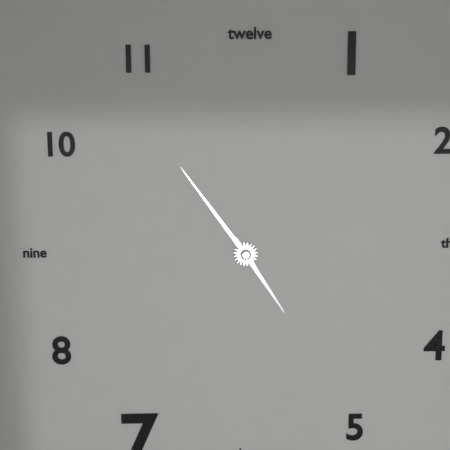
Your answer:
{"hour": 4, "minute": 54}
